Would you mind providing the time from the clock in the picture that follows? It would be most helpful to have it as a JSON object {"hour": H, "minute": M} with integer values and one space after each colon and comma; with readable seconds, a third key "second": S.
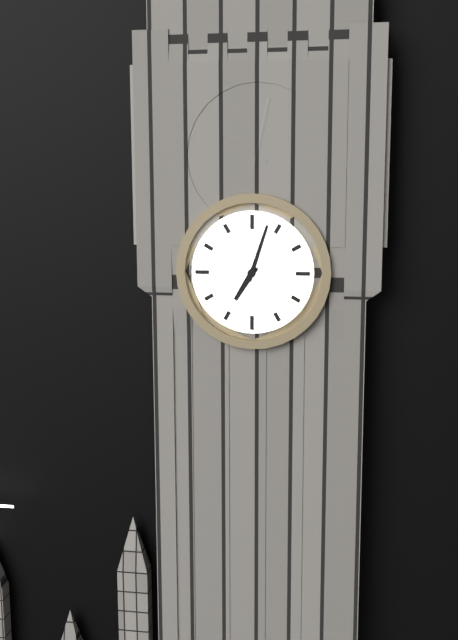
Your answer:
{"hour": 7, "minute": 3}
